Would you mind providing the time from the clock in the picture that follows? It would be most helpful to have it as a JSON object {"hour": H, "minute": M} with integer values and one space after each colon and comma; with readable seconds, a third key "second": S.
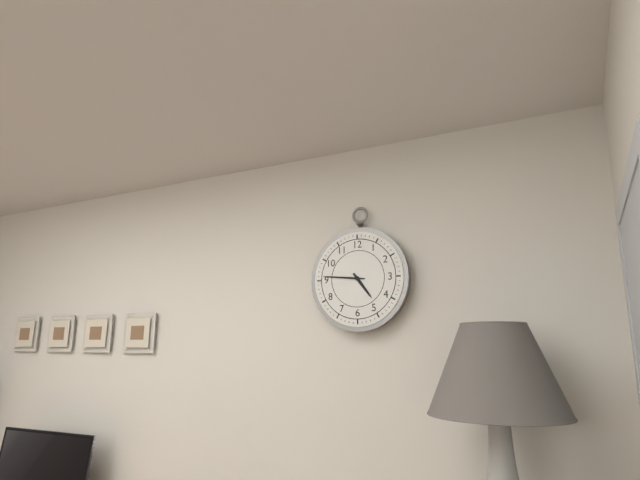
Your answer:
{"hour": 4, "minute": 46}
